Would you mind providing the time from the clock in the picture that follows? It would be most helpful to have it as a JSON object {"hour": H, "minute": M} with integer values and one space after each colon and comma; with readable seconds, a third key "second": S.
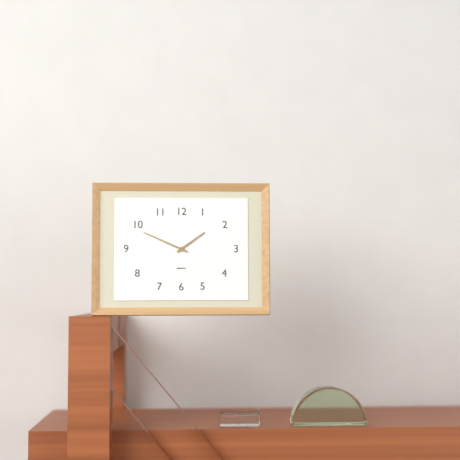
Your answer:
{"hour": 1, "minute": 49}
